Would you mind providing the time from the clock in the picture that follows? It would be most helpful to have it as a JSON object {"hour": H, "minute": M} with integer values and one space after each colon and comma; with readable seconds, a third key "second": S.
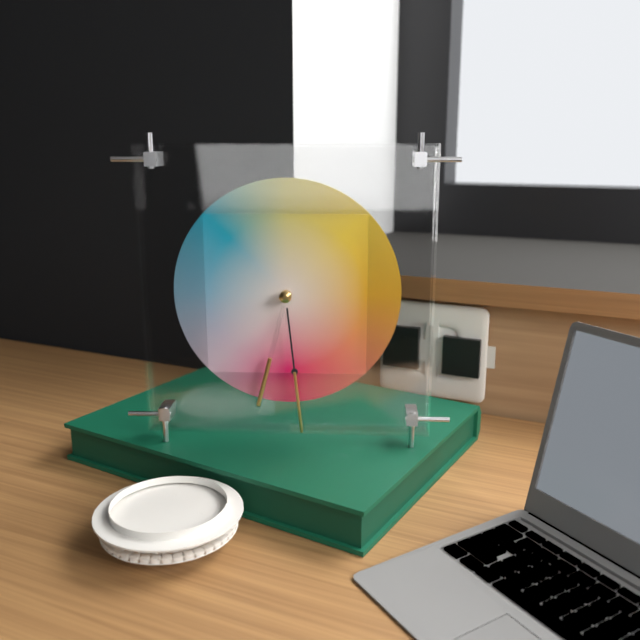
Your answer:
{"hour": 6, "minute": 29}
